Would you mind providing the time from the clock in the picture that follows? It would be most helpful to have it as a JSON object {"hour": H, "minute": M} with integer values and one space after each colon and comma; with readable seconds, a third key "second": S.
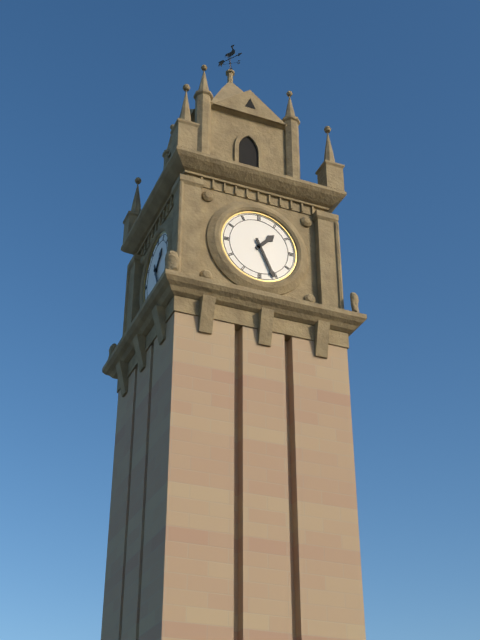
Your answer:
{"hour": 1, "minute": 26}
